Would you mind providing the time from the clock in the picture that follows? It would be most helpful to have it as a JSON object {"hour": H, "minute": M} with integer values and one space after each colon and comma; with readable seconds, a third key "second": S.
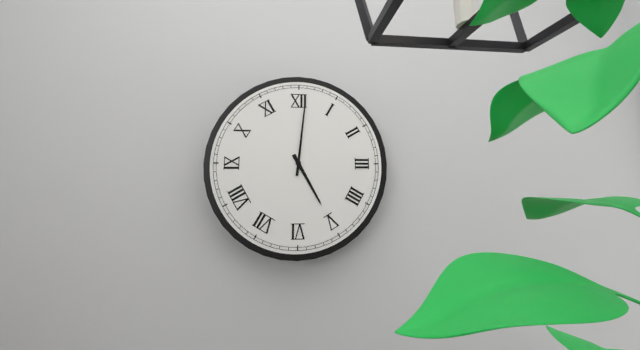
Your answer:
{"hour": 5, "minute": 1}
